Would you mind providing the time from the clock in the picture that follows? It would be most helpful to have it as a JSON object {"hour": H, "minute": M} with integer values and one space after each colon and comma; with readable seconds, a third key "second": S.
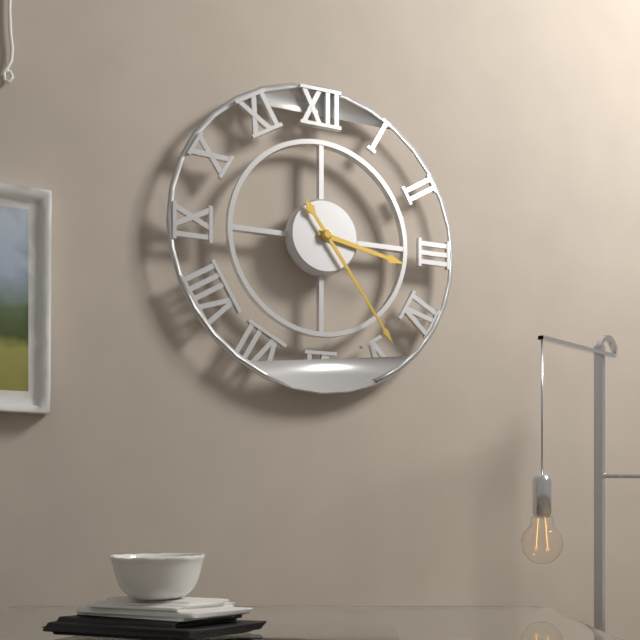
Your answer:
{"hour": 3, "minute": 24}
